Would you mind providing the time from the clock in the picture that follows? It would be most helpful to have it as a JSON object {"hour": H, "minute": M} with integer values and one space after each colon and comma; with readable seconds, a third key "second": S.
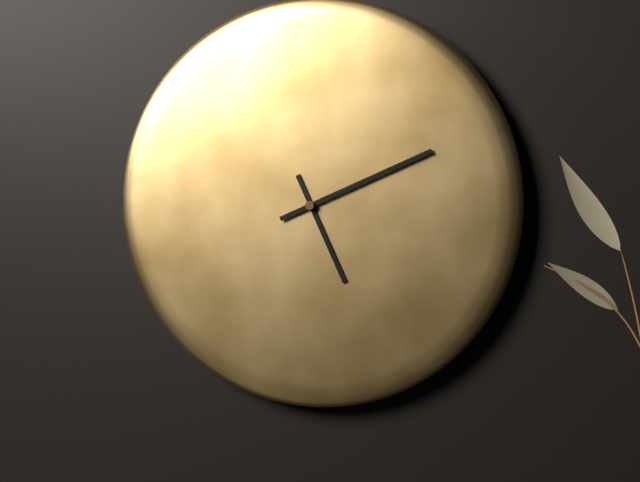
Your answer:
{"hour": 5, "minute": 11}
